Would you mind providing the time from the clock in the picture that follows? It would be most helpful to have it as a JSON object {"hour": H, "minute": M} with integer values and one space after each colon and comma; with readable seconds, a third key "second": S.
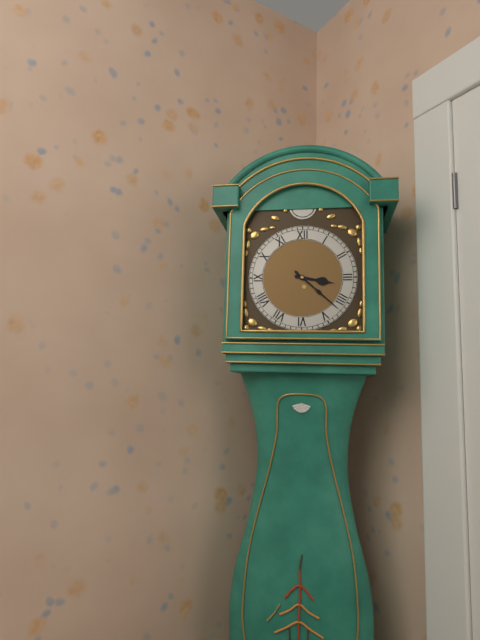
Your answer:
{"hour": 3, "minute": 22}
